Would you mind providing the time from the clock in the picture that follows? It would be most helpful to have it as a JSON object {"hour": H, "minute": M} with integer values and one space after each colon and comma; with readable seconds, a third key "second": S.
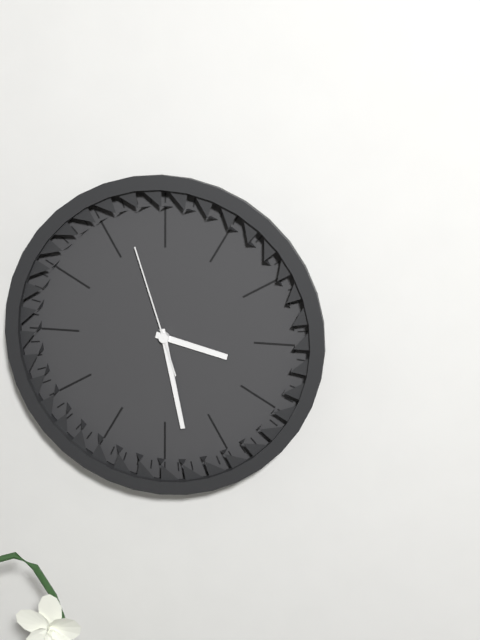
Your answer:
{"hour": 3, "minute": 28, "second": 57}
